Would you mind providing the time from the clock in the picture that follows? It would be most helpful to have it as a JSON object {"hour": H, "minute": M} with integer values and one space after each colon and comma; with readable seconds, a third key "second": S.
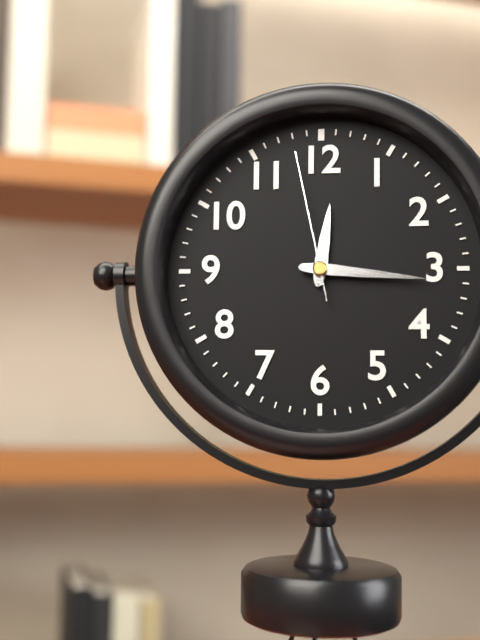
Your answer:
{"hour": 12, "minute": 16, "second": 58}
